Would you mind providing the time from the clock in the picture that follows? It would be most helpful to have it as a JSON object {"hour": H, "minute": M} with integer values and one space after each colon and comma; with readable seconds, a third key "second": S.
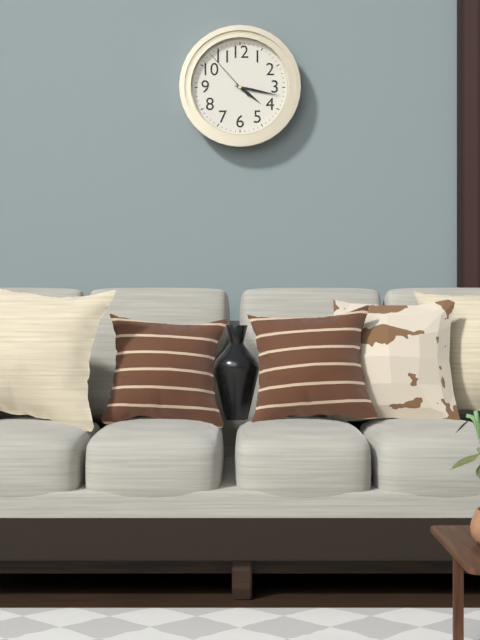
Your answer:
{"hour": 4, "minute": 17, "second": 53}
